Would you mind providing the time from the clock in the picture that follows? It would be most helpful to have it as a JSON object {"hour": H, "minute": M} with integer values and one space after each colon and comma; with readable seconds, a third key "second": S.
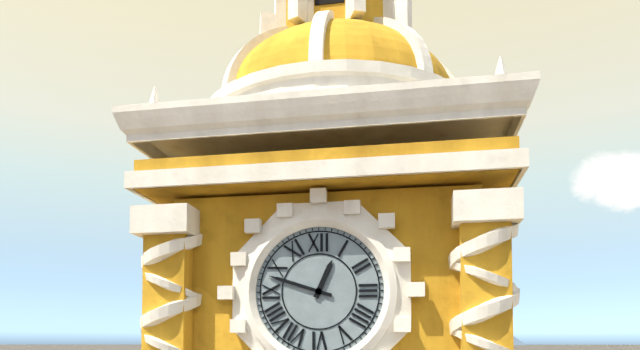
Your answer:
{"hour": 12, "minute": 48}
